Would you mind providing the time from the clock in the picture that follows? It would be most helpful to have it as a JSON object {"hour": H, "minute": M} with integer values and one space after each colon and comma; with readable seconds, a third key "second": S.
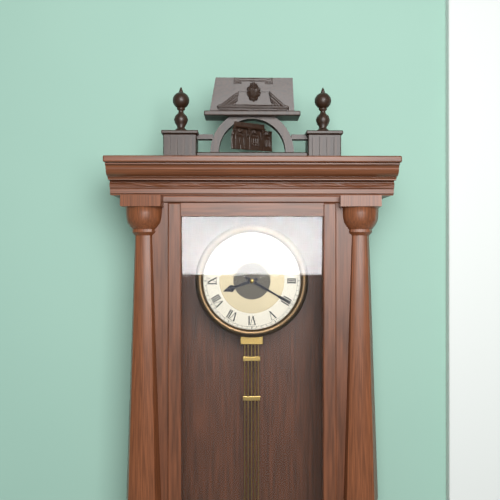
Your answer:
{"hour": 8, "minute": 20}
